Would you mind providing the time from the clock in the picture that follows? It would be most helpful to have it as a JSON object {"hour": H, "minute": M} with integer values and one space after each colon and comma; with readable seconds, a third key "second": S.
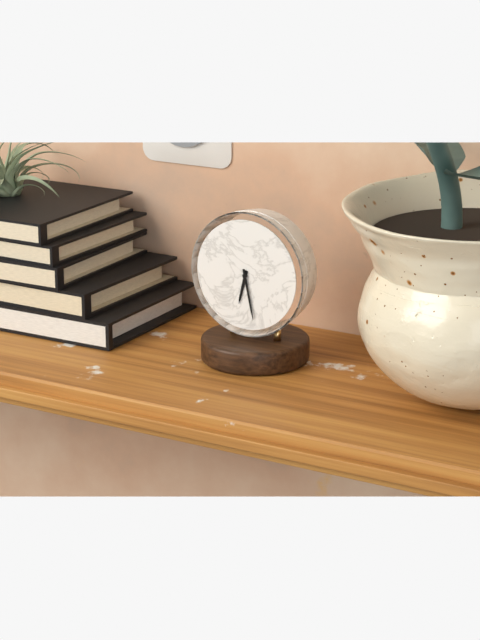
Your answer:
{"hour": 6, "minute": 28}
